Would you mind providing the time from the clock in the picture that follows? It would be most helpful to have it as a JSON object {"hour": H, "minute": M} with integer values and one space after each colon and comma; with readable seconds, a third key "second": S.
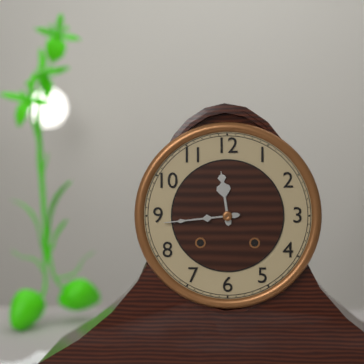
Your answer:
{"hour": 11, "minute": 44}
